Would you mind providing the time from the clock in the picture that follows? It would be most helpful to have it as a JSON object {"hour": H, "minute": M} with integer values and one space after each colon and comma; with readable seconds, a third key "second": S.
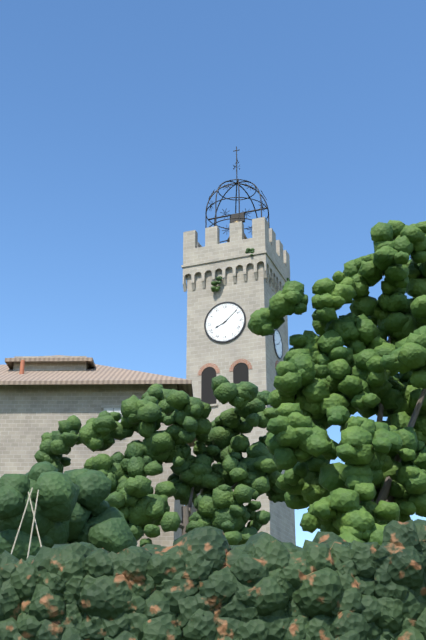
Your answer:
{"hour": 8, "minute": 8}
